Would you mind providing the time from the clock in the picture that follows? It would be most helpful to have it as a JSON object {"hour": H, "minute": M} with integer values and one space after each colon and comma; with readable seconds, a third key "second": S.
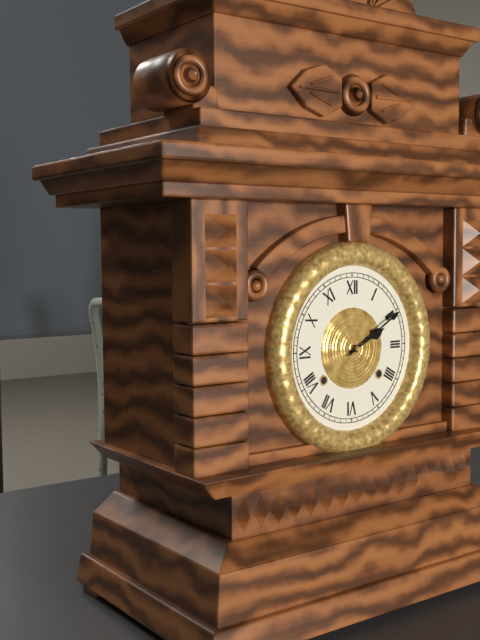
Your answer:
{"hour": 2, "minute": 10}
